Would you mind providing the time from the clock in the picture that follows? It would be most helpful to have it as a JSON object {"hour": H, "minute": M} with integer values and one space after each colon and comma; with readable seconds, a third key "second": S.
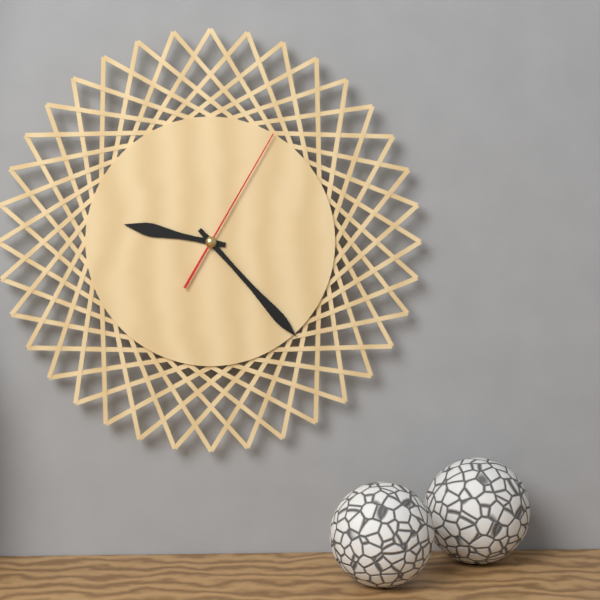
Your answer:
{"hour": 9, "minute": 23, "second": 5}
